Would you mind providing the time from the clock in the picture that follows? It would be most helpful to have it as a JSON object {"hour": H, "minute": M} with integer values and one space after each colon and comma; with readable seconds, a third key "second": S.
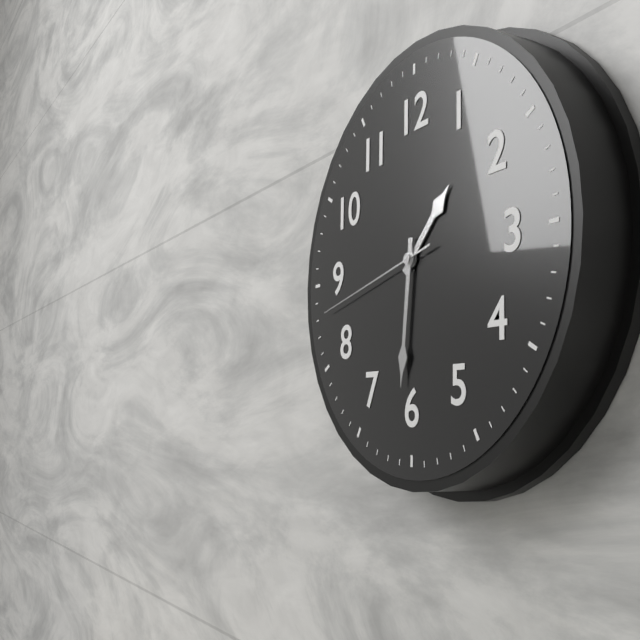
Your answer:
{"hour": 1, "minute": 31, "second": 43}
